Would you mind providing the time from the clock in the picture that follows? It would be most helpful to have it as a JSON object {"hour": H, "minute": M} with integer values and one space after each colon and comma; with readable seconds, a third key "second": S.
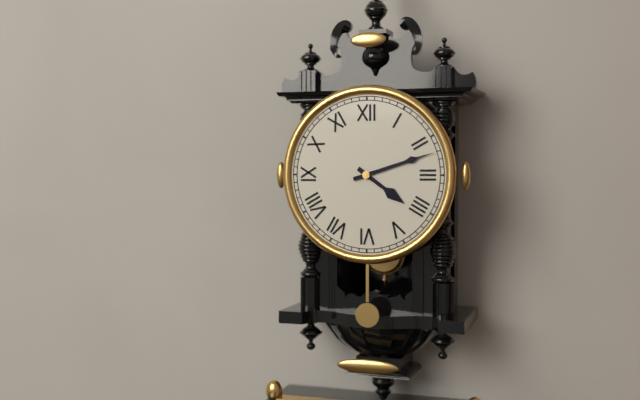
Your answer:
{"hour": 4, "minute": 12}
